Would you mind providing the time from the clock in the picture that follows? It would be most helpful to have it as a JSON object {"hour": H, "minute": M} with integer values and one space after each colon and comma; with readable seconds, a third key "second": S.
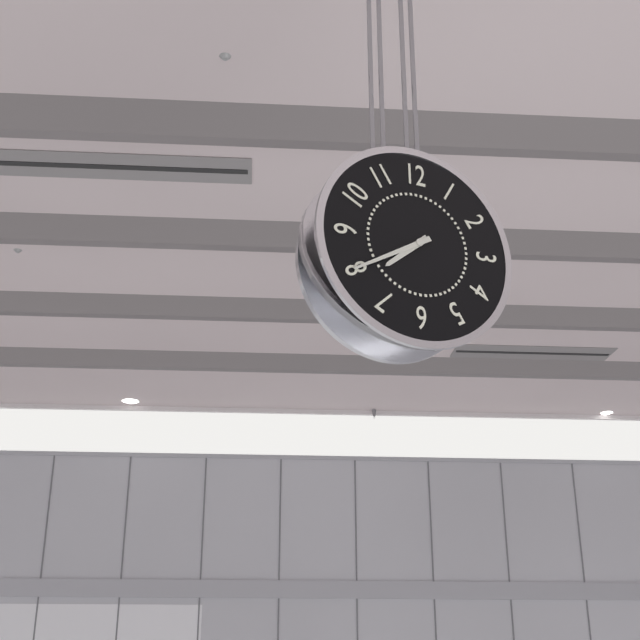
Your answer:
{"hour": 7, "minute": 40}
